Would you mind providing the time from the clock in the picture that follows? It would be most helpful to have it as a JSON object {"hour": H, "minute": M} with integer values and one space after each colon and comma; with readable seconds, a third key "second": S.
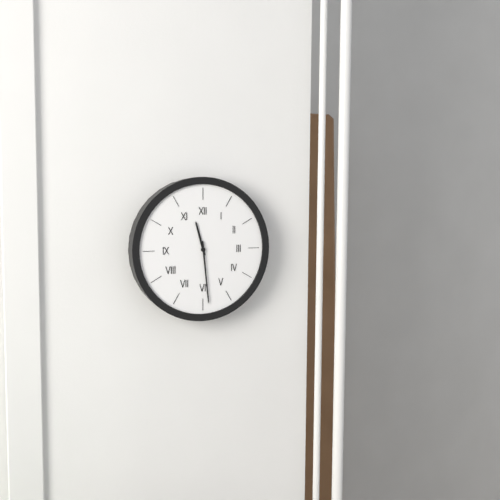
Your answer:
{"hour": 11, "minute": 29}
